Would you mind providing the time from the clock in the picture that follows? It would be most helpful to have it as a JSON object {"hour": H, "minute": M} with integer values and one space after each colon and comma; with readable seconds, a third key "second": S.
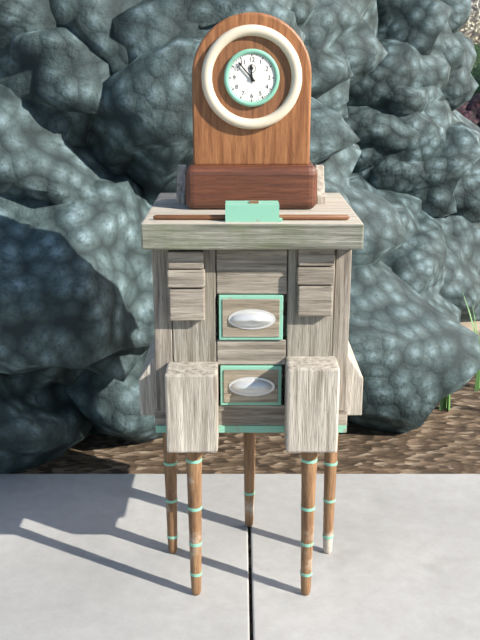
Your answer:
{"hour": 11, "minute": 53}
